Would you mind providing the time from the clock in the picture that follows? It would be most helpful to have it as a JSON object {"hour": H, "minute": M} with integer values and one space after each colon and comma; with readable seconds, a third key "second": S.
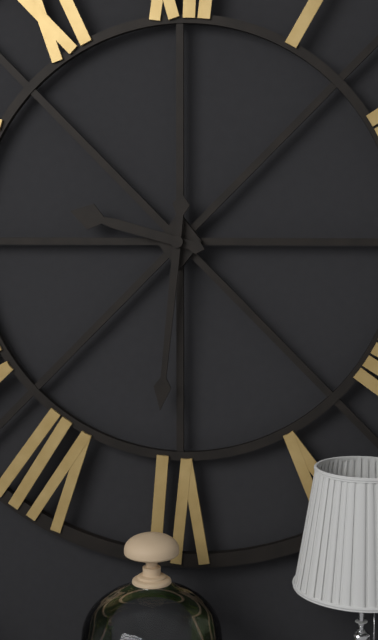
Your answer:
{"hour": 9, "minute": 31}
